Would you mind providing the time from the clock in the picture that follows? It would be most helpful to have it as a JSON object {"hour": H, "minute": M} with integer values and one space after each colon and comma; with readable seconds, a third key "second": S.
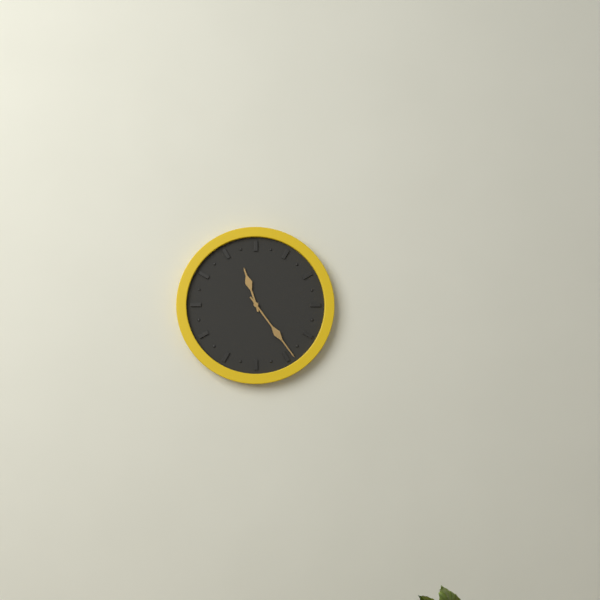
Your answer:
{"hour": 11, "minute": 24}
